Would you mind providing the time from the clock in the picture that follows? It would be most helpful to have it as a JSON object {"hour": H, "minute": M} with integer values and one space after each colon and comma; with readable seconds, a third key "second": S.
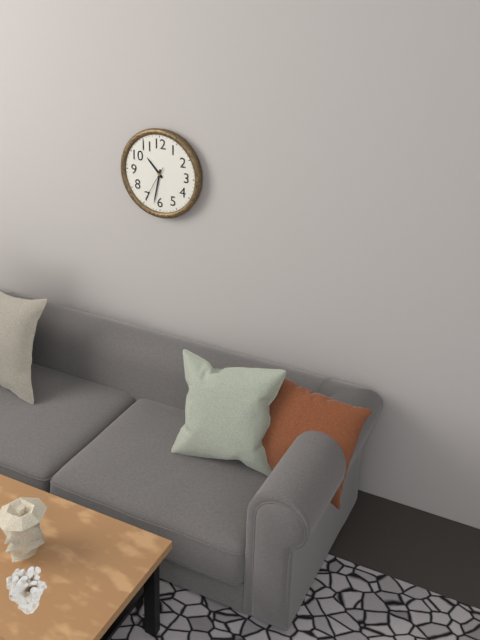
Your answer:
{"hour": 10, "minute": 32}
